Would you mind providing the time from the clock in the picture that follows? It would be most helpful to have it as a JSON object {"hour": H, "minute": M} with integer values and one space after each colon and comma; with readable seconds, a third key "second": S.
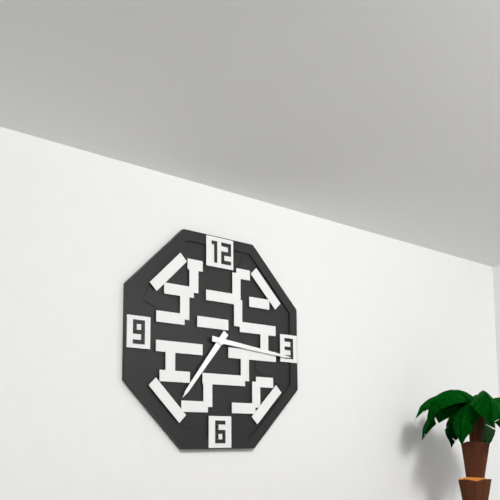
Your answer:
{"hour": 7, "minute": 16}
